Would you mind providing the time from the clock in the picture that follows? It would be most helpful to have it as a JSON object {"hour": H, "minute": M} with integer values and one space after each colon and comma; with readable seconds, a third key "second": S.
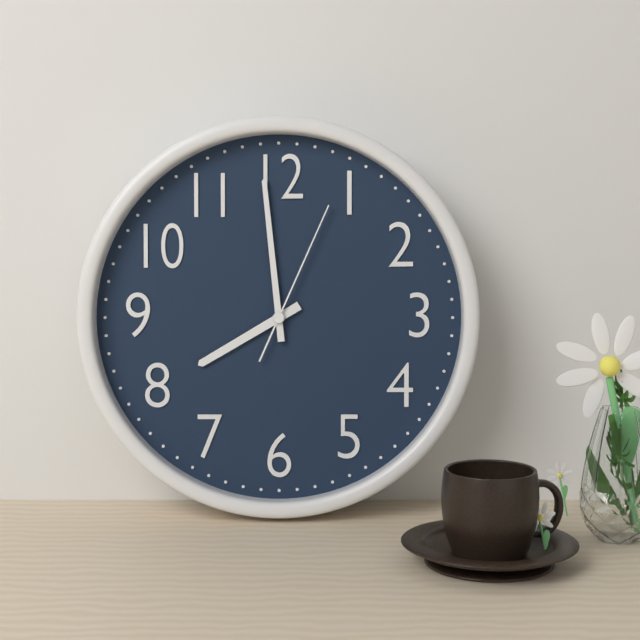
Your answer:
{"hour": 7, "minute": 59, "second": 4}
